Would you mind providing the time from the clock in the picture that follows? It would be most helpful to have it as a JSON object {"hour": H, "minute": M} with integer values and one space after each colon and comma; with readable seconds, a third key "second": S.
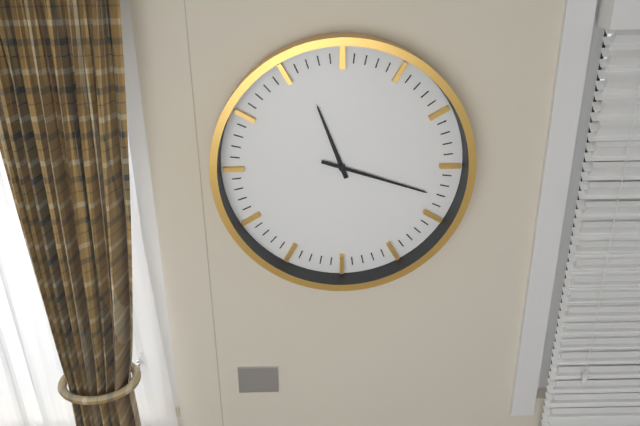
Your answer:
{"hour": 11, "minute": 18}
